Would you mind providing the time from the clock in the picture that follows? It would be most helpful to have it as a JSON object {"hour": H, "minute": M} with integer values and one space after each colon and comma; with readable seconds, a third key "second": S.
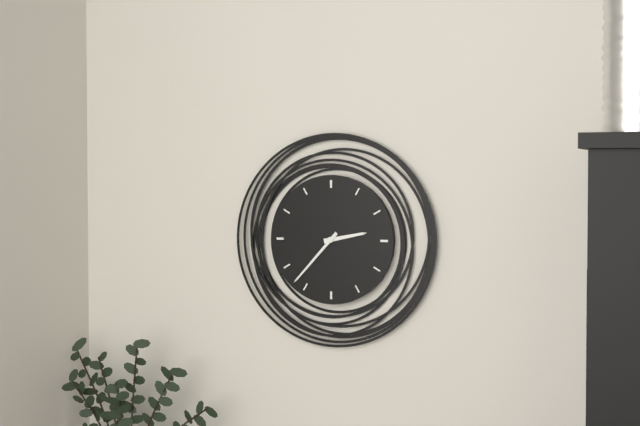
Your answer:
{"hour": 2, "minute": 37}
